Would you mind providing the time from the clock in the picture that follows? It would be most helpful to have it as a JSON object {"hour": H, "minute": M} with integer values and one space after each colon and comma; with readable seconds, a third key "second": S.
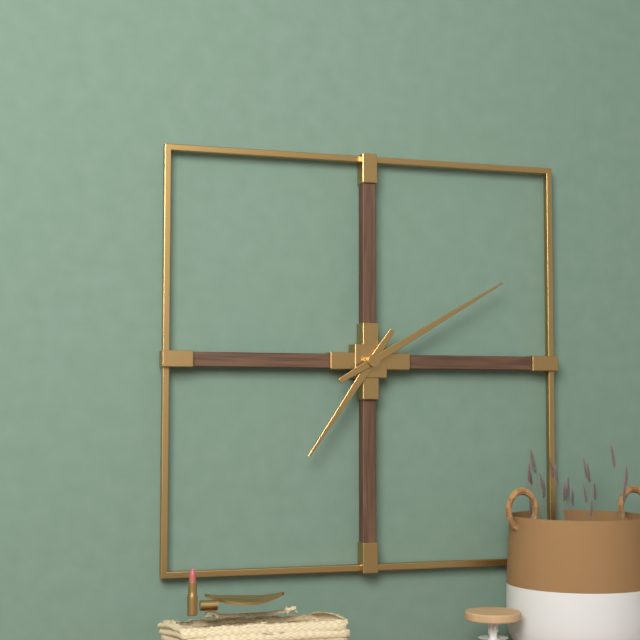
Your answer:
{"hour": 7, "minute": 10}
